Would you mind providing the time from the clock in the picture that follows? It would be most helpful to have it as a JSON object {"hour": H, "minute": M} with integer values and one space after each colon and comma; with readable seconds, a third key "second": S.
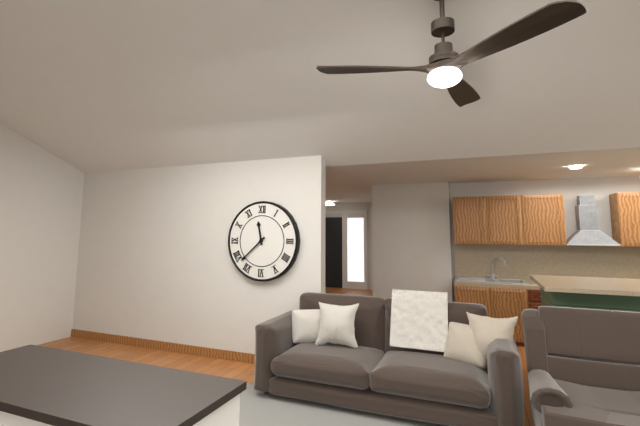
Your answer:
{"hour": 11, "minute": 38}
